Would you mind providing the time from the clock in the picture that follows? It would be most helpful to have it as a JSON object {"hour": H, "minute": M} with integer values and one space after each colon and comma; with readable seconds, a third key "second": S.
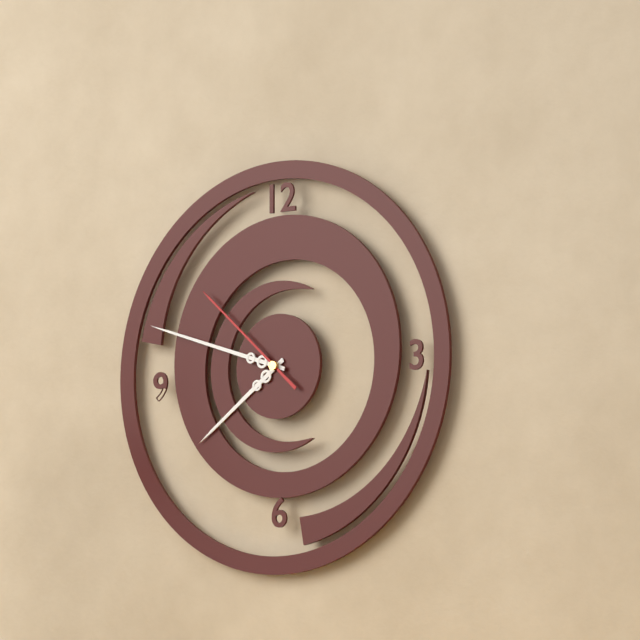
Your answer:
{"hour": 7, "minute": 48, "second": 52}
